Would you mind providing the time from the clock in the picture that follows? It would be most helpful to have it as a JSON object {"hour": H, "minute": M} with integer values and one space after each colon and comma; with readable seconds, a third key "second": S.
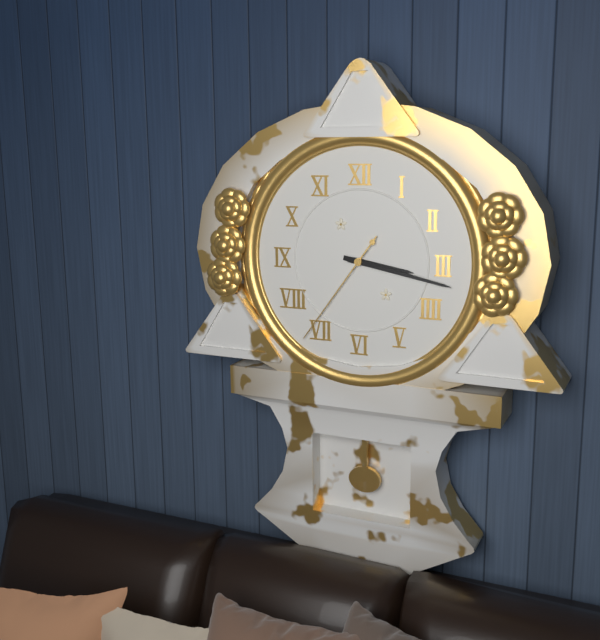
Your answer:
{"hour": 3, "minute": 17, "second": 36}
